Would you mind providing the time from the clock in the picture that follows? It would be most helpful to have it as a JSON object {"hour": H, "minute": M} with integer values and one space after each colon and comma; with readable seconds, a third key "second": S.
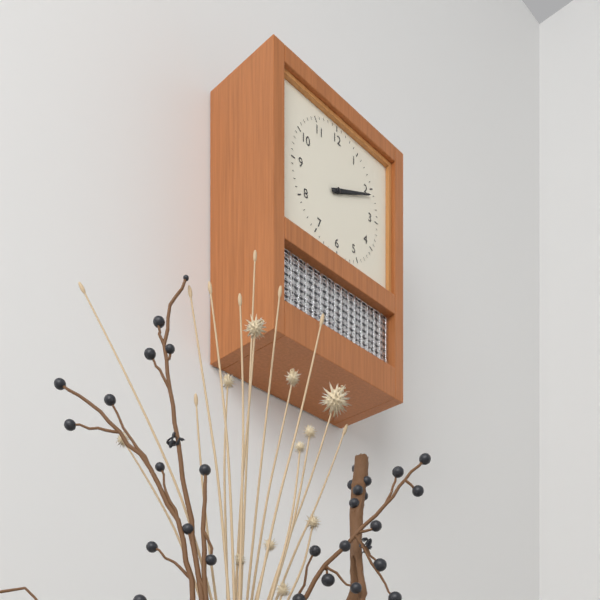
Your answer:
{"hour": 2, "minute": 11}
